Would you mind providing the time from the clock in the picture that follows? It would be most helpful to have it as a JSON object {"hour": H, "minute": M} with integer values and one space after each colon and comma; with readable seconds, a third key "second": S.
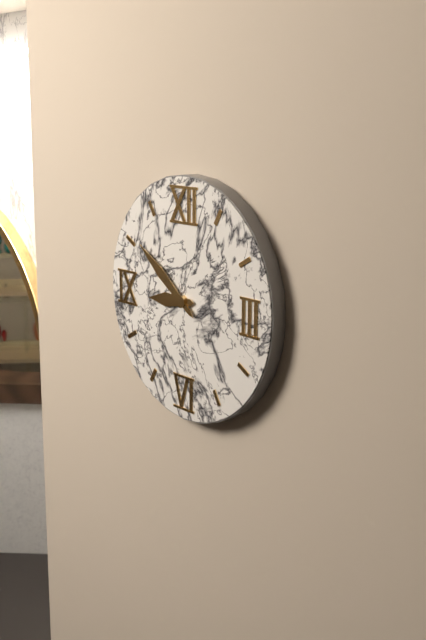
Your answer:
{"hour": 8, "minute": 51}
